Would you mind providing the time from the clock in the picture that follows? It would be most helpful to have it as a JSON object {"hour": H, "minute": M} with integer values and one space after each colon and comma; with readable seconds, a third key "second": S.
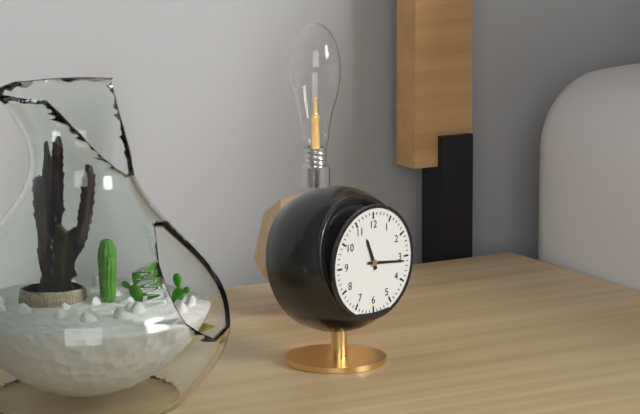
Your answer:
{"hour": 11, "minute": 16}
